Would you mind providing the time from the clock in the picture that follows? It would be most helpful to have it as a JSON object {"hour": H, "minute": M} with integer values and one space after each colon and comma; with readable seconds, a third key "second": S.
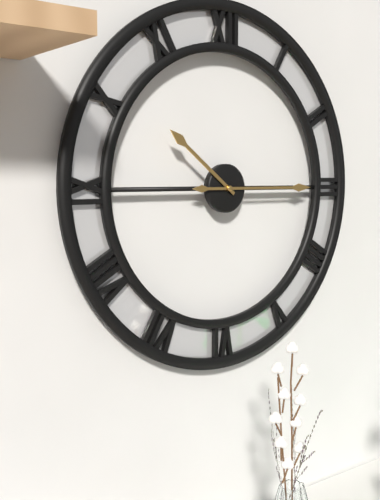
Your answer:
{"hour": 10, "minute": 15}
